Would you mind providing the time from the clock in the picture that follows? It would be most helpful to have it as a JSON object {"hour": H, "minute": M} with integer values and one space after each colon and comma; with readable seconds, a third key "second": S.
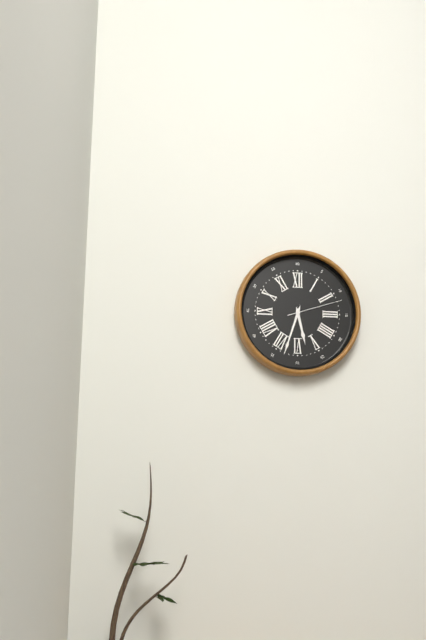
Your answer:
{"hour": 5, "minute": 33, "second": 12}
